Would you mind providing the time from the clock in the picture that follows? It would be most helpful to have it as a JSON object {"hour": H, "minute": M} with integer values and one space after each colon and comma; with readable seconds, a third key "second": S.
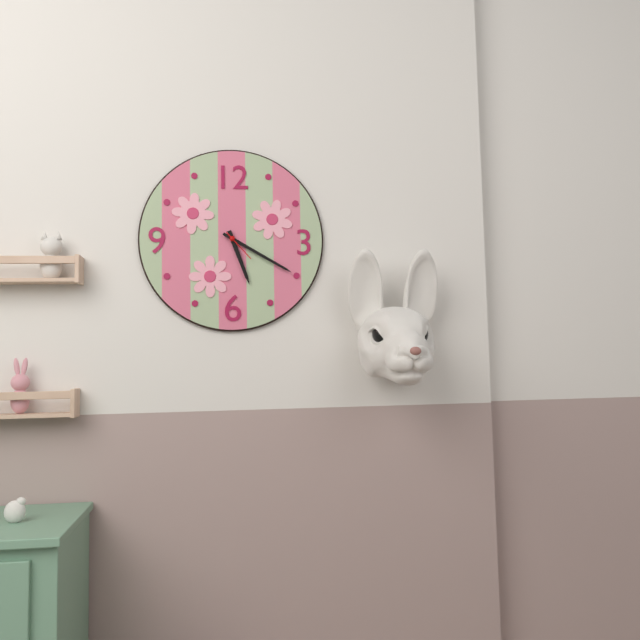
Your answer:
{"hour": 5, "minute": 20}
